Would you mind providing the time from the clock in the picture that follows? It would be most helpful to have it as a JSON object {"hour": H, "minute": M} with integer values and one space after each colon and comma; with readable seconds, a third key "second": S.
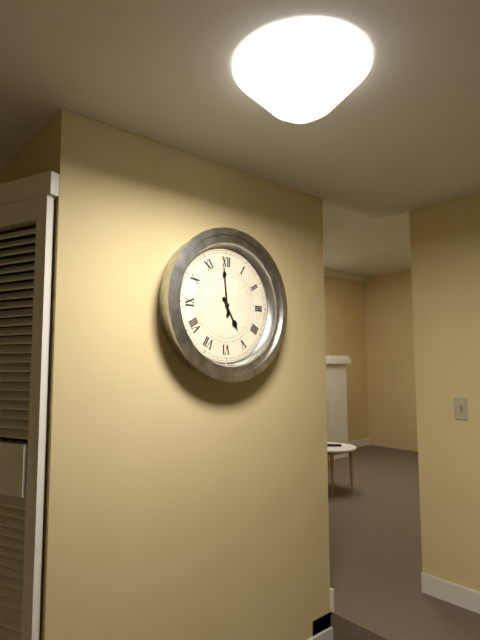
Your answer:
{"hour": 4, "minute": 59}
